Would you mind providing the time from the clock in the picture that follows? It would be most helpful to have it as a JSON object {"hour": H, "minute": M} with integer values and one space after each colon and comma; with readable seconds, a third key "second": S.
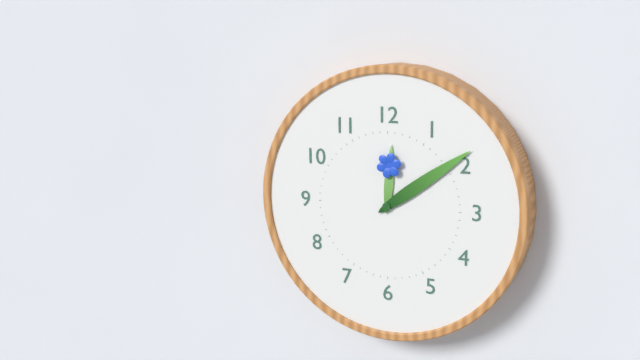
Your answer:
{"hour": 12, "minute": 9}
